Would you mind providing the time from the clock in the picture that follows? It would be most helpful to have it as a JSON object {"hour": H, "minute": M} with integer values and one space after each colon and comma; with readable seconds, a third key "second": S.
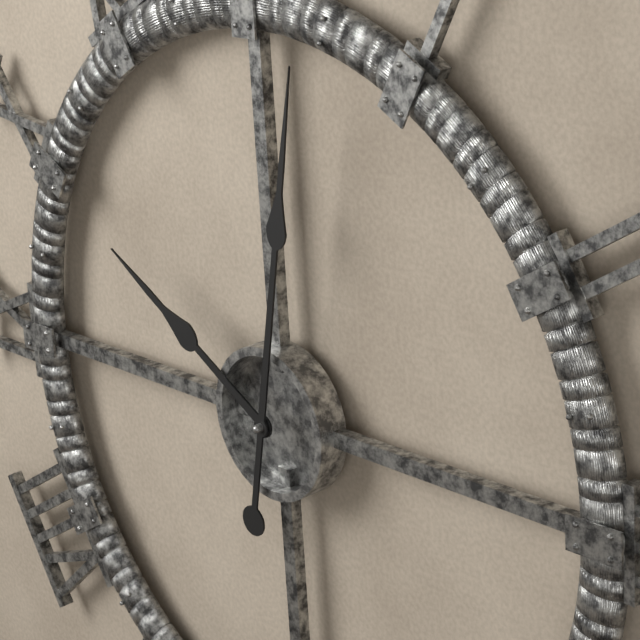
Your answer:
{"hour": 10, "minute": 2}
